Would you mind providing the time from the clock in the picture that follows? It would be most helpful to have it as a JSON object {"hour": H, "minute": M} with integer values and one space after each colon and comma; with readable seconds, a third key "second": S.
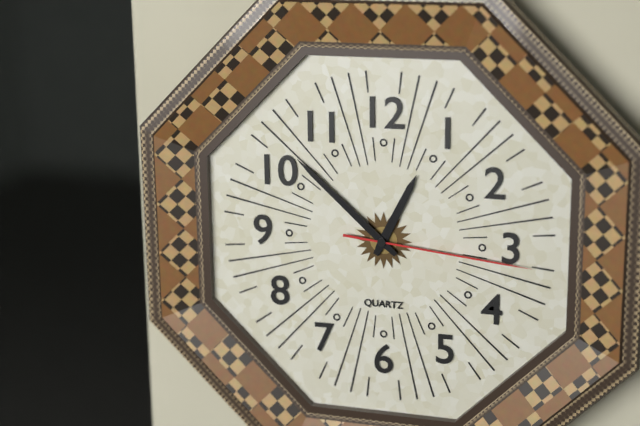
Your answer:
{"hour": 12, "minute": 52, "second": 16}
